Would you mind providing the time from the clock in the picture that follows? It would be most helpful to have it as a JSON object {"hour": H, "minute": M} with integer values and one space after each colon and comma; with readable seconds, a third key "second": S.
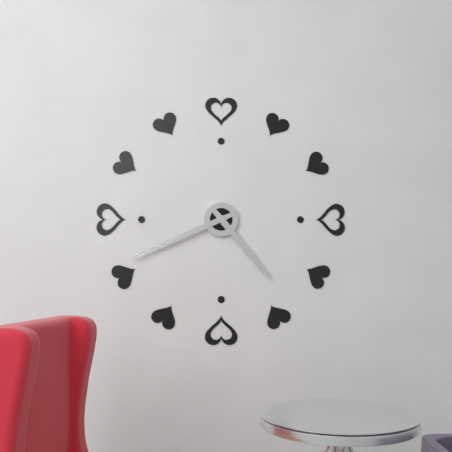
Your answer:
{"hour": 4, "minute": 41}
